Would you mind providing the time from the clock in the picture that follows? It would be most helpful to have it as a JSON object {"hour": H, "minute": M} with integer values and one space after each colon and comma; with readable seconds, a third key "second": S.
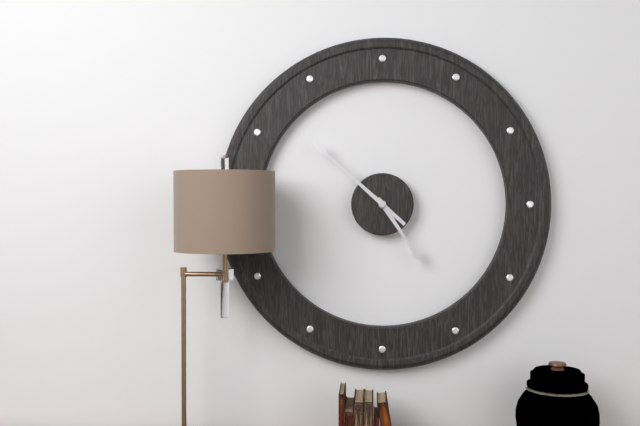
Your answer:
{"hour": 4, "minute": 52}
